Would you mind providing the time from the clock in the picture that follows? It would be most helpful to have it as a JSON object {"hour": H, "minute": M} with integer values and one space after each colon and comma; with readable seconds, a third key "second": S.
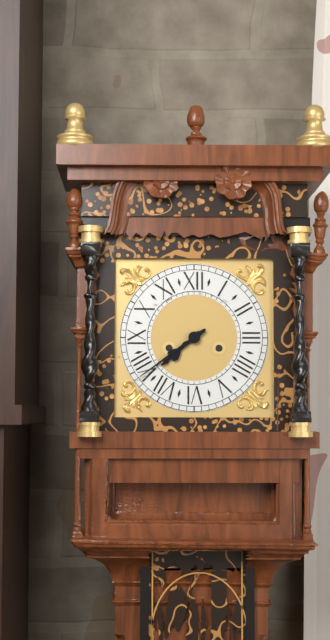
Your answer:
{"hour": 7, "minute": 39}
